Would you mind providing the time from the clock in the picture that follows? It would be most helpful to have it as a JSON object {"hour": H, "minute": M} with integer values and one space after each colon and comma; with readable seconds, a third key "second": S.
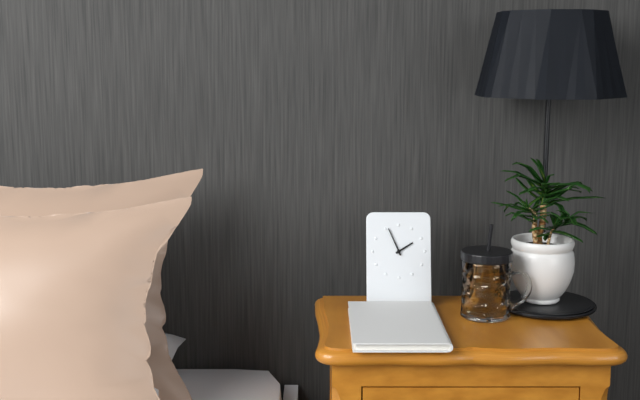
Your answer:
{"hour": 1, "minute": 56}
